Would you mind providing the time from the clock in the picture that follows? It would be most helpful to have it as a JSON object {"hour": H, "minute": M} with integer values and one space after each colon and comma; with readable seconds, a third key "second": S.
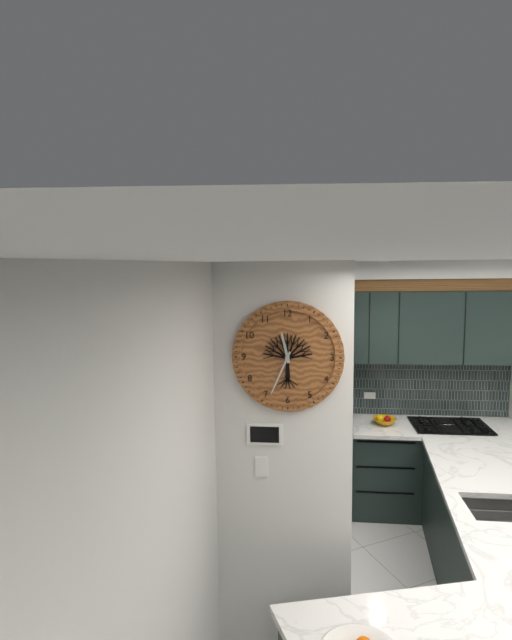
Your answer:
{"hour": 11, "minute": 34}
